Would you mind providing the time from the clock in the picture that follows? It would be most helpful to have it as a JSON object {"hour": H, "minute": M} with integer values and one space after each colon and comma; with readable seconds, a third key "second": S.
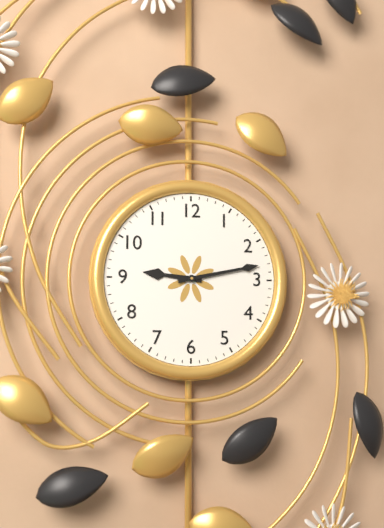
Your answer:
{"hour": 9, "minute": 13}
